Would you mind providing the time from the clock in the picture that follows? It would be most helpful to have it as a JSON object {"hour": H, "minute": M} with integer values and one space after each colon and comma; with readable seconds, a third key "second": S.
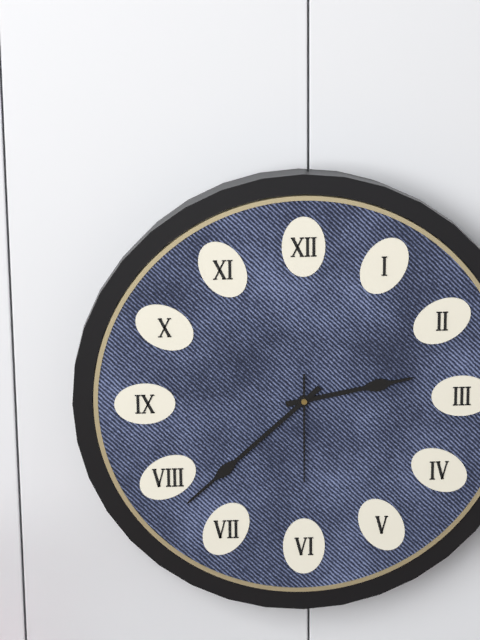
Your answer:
{"hour": 2, "minute": 38, "second": 30}
